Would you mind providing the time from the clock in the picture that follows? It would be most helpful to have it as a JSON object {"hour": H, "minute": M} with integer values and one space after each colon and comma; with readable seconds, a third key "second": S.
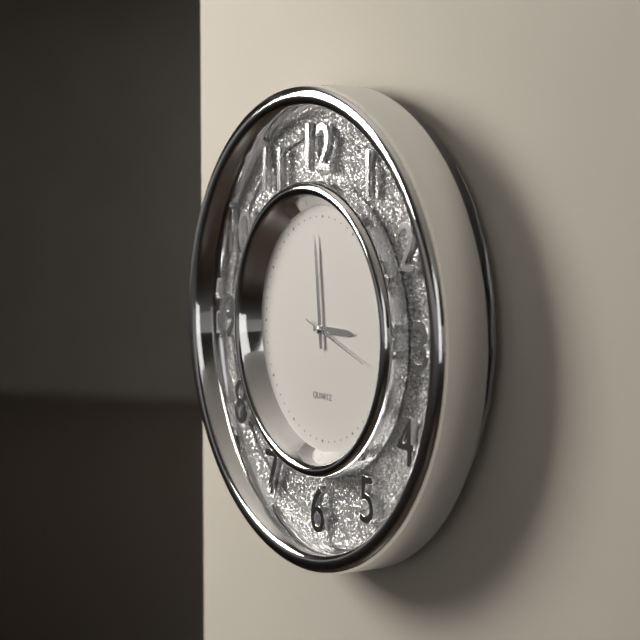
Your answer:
{"hour": 2, "minute": 59, "second": 18}
